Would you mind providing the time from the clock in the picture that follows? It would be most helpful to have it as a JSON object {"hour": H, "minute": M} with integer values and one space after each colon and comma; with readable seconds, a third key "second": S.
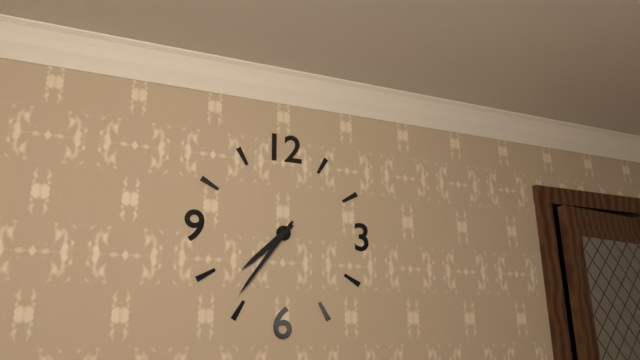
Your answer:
{"hour": 7, "minute": 36}
